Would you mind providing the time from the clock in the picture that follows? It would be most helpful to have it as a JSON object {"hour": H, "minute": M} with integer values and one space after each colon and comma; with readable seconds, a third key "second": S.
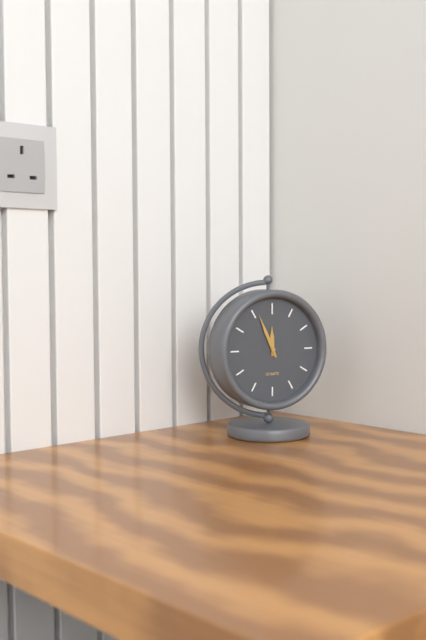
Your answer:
{"hour": 11, "minute": 56}
